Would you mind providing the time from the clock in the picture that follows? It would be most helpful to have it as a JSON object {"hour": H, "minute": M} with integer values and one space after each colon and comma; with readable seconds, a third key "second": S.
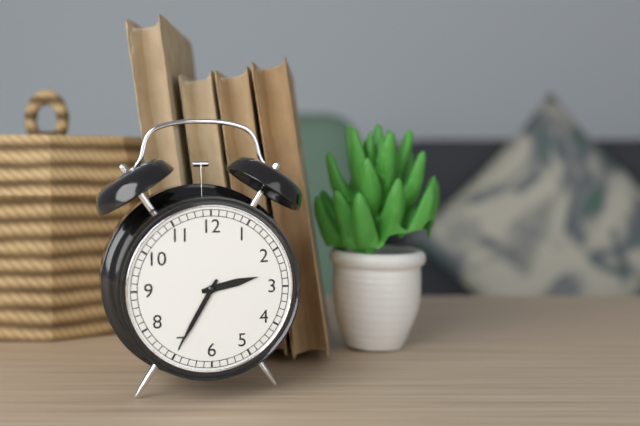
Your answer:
{"hour": 2, "minute": 35}
